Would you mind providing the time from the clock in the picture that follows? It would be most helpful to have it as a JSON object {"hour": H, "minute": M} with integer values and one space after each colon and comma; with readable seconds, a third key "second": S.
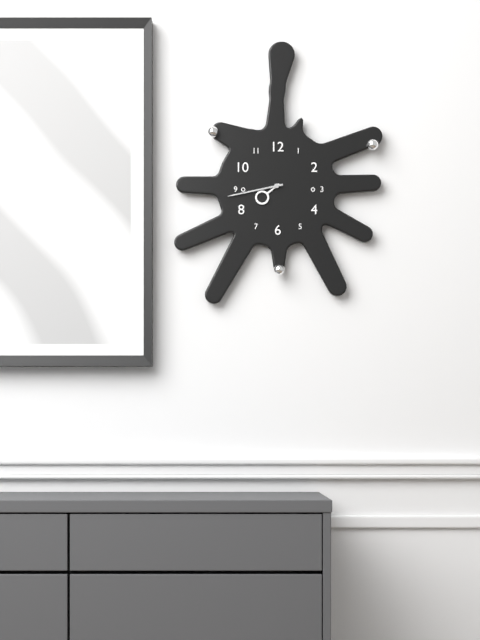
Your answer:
{"hour": 7, "minute": 43}
